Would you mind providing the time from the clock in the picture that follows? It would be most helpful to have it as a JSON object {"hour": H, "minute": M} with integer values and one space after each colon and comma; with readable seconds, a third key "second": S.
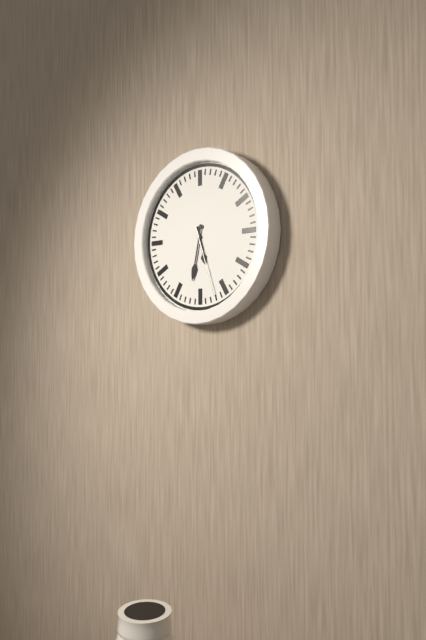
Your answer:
{"hour": 5, "minute": 32, "second": 27}
